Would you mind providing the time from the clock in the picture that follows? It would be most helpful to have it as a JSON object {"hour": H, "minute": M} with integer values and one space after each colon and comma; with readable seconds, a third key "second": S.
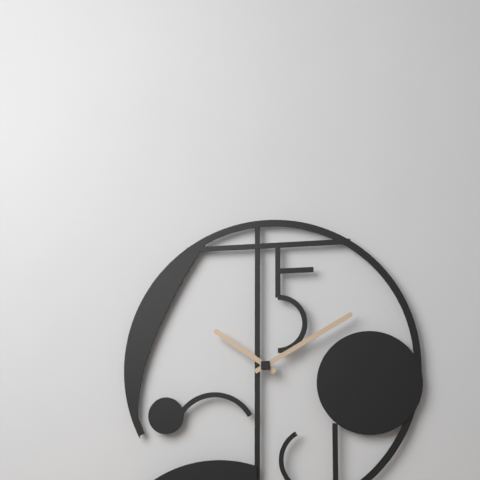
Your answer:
{"hour": 10, "minute": 10}
